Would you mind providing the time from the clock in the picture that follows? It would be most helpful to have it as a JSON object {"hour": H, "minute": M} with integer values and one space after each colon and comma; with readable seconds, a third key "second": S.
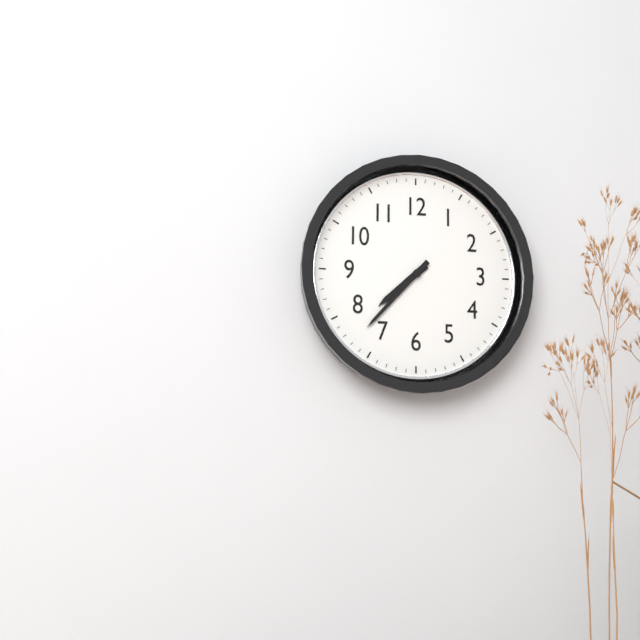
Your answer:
{"hour": 7, "minute": 37}
